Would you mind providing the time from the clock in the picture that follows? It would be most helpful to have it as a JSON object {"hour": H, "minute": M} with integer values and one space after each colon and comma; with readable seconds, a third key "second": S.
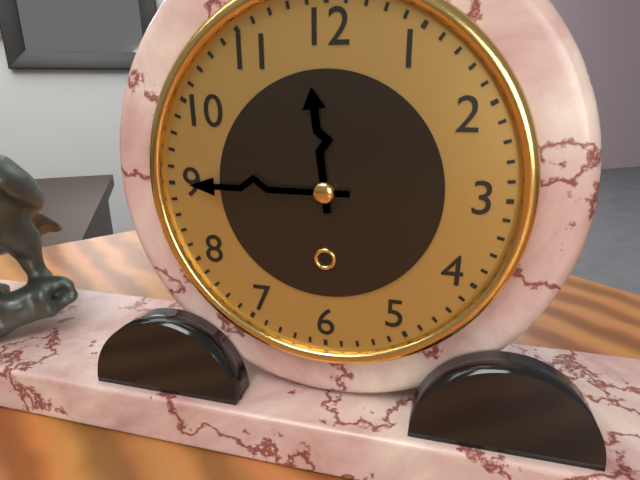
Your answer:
{"hour": 11, "minute": 45}
